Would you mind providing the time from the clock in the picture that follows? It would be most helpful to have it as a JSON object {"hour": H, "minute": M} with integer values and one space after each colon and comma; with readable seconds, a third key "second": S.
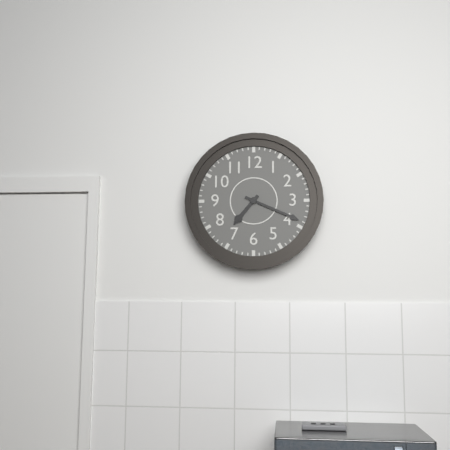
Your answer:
{"hour": 7, "minute": 19}
